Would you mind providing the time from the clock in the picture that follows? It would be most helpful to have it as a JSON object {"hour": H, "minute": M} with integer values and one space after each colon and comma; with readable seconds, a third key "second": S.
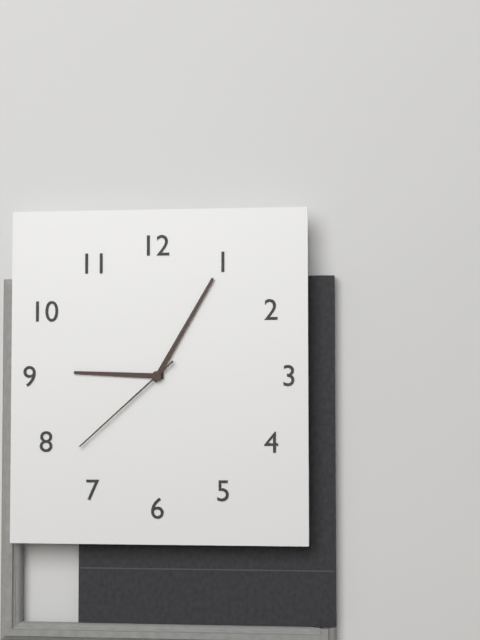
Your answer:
{"hour": 9, "minute": 5, "second": 38}
